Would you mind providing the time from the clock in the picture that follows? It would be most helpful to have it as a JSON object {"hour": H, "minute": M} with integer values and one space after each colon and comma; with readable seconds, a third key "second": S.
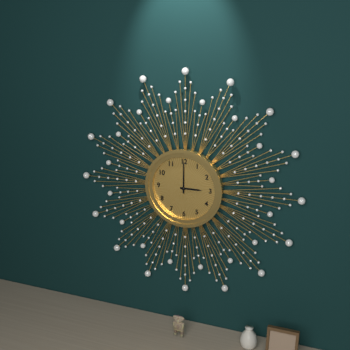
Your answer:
{"hour": 3, "minute": 0}
